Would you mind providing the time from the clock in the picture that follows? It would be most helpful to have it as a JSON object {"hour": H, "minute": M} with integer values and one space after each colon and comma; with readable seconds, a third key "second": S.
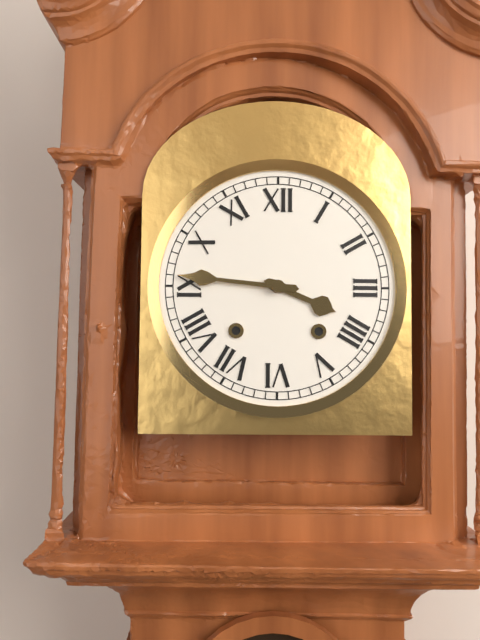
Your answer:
{"hour": 3, "minute": 46}
